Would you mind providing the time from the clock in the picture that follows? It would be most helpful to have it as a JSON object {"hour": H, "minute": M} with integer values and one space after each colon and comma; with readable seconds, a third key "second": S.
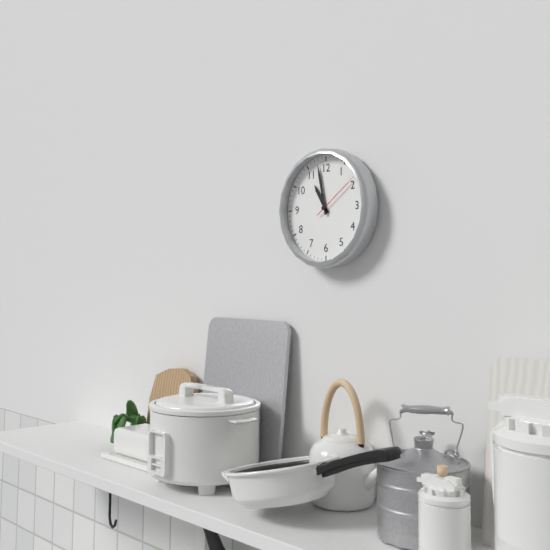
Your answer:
{"hour": 10, "minute": 58, "second": 9}
